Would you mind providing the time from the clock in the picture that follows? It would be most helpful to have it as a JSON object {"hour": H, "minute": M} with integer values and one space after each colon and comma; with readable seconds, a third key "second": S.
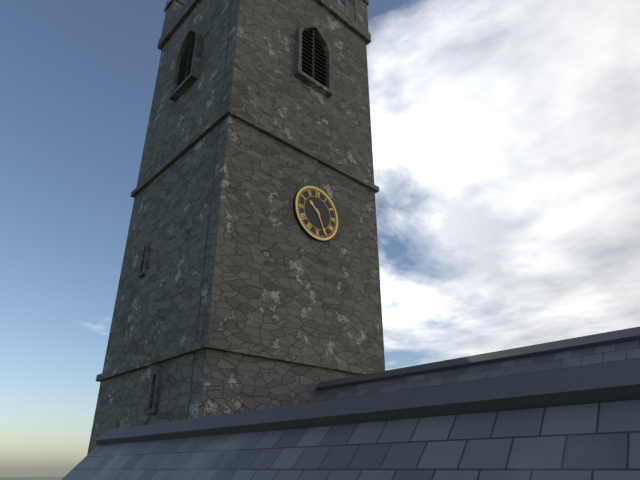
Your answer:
{"hour": 10, "minute": 26}
